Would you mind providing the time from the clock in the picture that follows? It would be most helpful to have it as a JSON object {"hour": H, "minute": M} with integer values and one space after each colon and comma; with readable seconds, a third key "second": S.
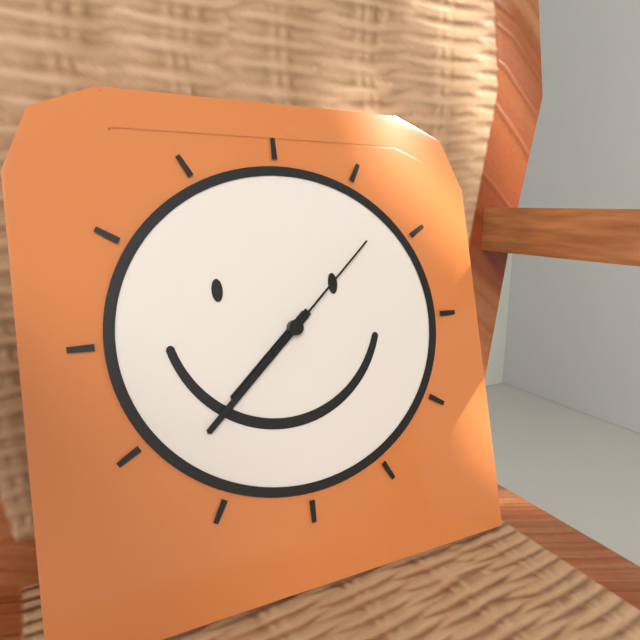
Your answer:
{"hour": 7, "minute": 38, "second": 8}
